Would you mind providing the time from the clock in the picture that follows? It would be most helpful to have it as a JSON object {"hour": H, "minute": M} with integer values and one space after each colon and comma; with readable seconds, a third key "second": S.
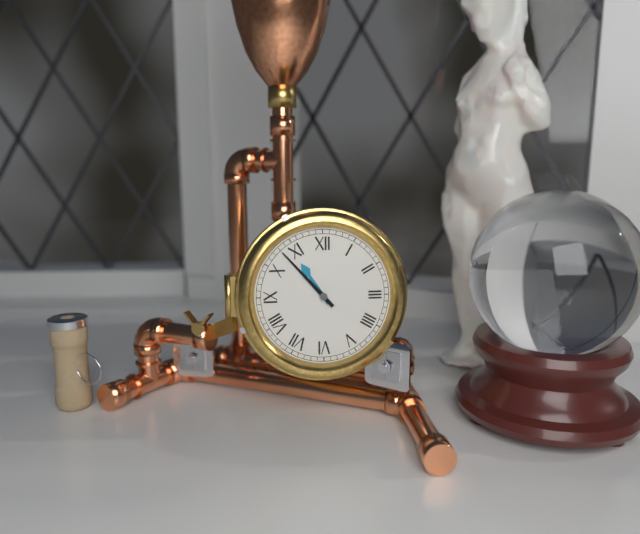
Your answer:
{"hour": 10, "minute": 53}
